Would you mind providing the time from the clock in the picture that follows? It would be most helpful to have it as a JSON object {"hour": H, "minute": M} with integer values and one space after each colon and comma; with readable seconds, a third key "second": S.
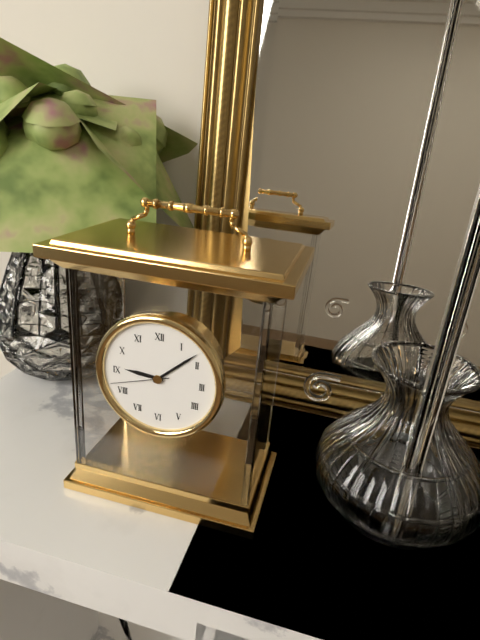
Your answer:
{"hour": 9, "minute": 8, "second": 42}
